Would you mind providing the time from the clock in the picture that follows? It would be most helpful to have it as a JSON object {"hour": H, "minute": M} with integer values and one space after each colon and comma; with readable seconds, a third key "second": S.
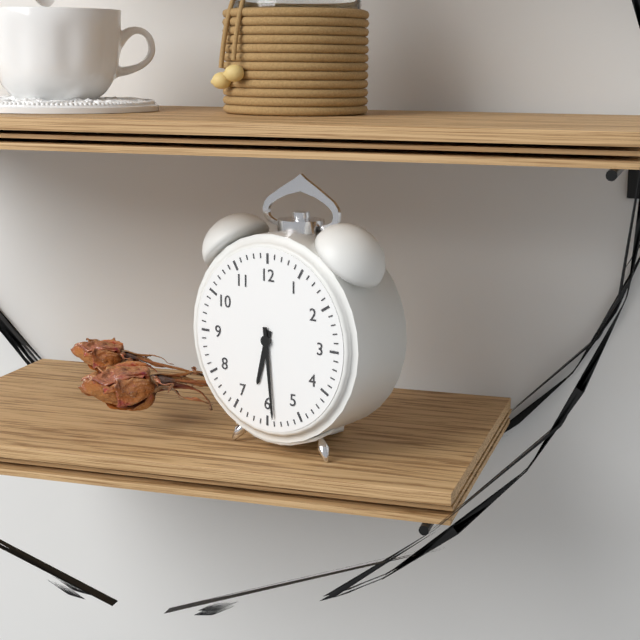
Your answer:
{"hour": 6, "minute": 29}
